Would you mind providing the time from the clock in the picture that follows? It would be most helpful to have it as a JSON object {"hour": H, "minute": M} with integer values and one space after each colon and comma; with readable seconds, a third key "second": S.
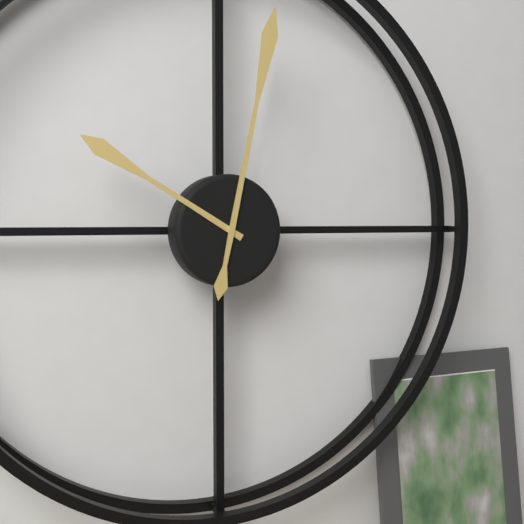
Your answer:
{"hour": 10, "minute": 2}
